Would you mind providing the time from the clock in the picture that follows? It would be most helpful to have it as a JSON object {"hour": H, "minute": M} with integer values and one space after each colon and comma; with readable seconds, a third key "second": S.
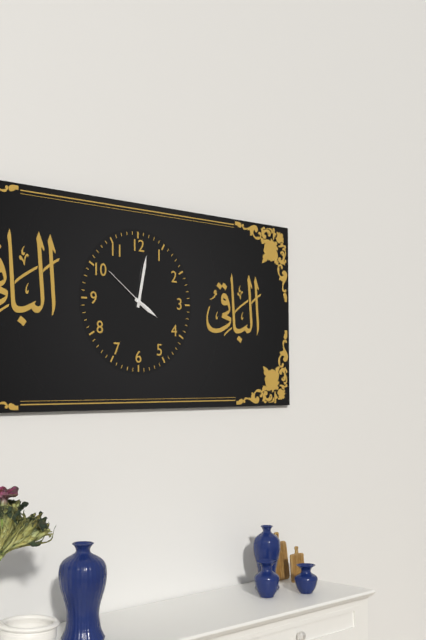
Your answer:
{"hour": 4, "minute": 2, "second": 51}
